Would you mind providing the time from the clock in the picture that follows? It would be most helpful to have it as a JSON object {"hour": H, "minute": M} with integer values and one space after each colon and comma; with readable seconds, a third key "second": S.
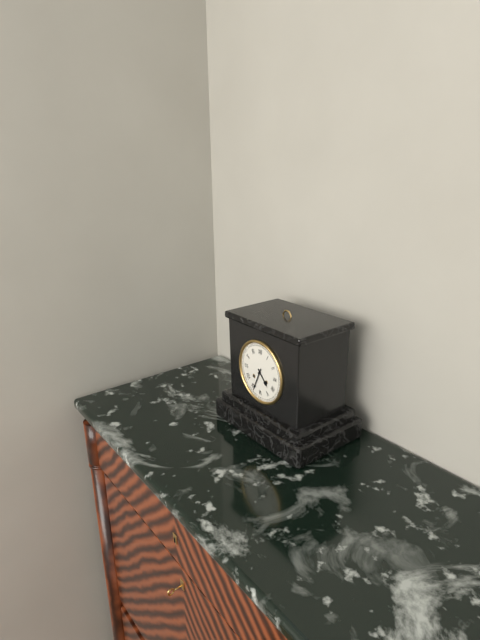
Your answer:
{"hour": 4, "minute": 34}
